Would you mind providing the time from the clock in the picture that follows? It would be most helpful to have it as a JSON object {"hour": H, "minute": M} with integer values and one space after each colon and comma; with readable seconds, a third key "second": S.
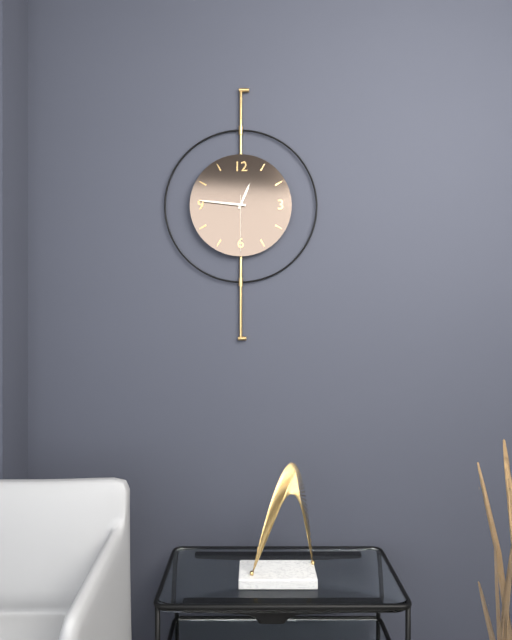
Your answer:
{"hour": 12, "minute": 46, "second": 30}
